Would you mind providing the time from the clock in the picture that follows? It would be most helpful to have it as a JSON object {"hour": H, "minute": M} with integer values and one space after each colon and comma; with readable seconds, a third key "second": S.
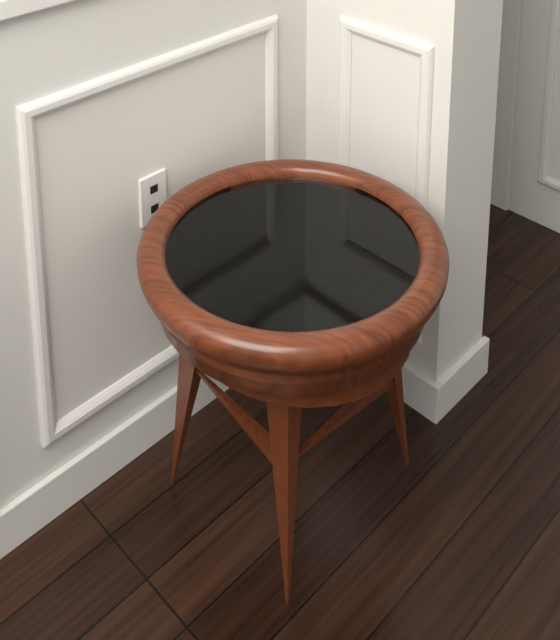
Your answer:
{"hour": 7, "minute": 56}
